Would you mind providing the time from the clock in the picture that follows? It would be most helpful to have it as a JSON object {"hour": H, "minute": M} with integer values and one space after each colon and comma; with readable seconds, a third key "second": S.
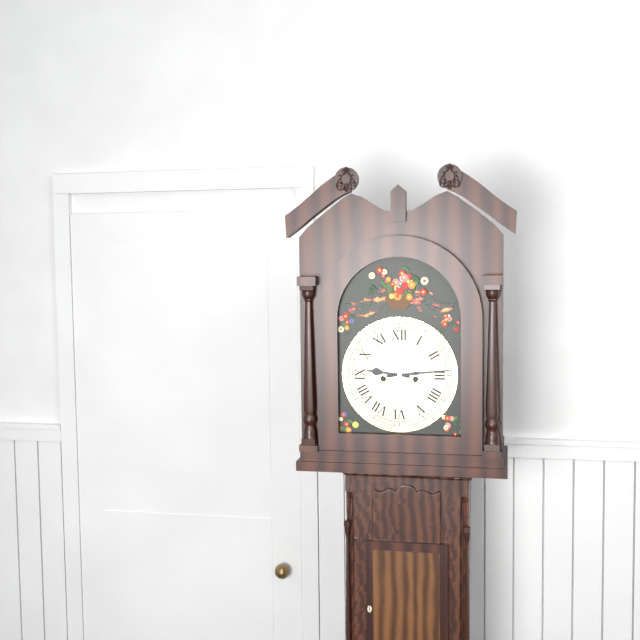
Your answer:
{"hour": 9, "minute": 14}
